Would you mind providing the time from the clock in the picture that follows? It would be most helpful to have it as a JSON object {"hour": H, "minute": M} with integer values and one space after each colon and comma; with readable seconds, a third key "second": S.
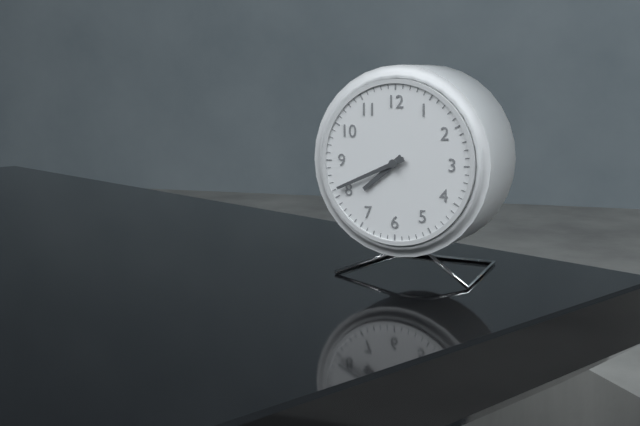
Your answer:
{"hour": 7, "minute": 41}
